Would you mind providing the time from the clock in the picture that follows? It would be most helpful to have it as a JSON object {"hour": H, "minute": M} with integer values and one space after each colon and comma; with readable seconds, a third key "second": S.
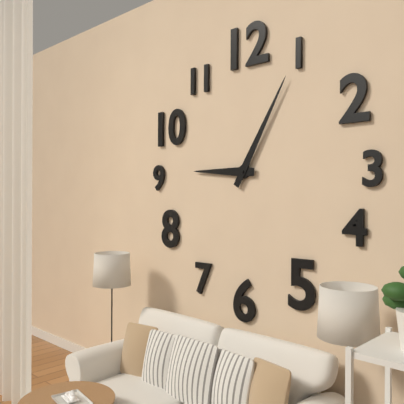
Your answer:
{"hour": 9, "minute": 5}
